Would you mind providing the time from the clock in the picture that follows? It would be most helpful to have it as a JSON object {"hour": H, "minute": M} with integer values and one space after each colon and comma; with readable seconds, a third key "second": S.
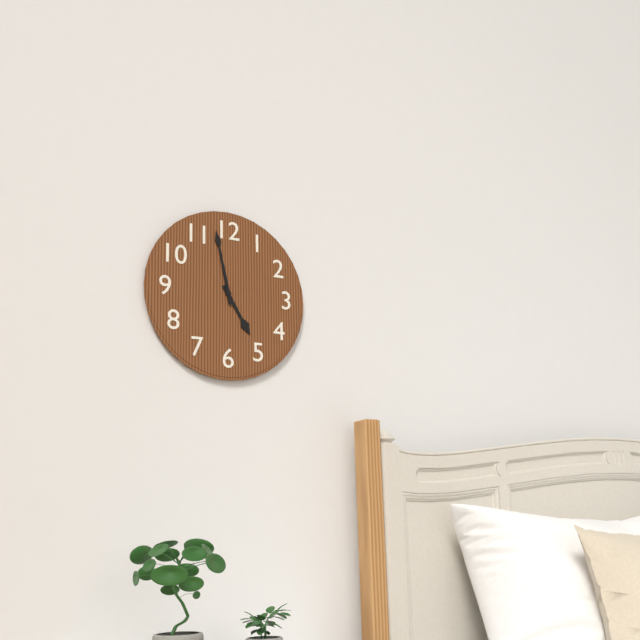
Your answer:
{"hour": 4, "minute": 58}
